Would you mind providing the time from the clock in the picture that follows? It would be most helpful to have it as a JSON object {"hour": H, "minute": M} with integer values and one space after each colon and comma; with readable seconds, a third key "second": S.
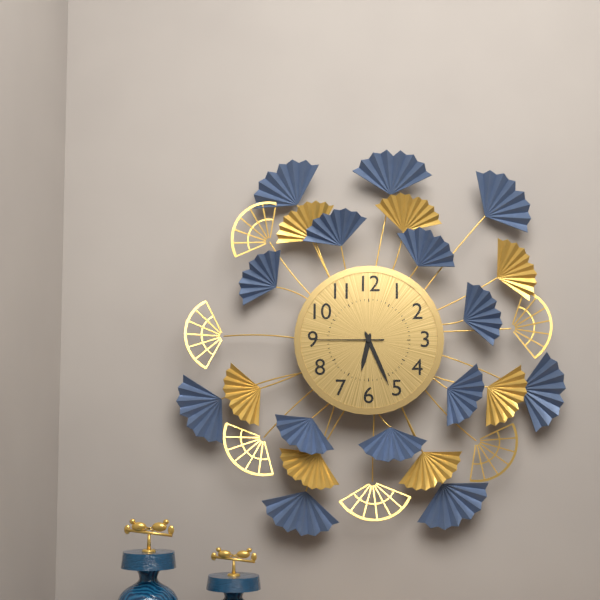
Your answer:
{"hour": 6, "minute": 26, "second": 45}
